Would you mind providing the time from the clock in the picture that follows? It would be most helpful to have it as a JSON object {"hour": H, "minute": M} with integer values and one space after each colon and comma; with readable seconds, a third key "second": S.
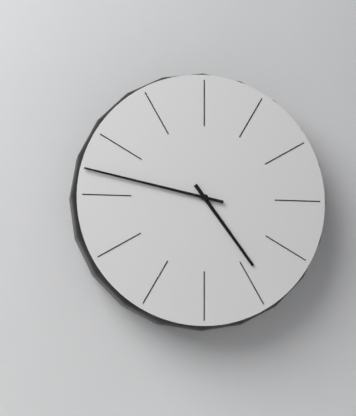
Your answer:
{"hour": 4, "minute": 47}
